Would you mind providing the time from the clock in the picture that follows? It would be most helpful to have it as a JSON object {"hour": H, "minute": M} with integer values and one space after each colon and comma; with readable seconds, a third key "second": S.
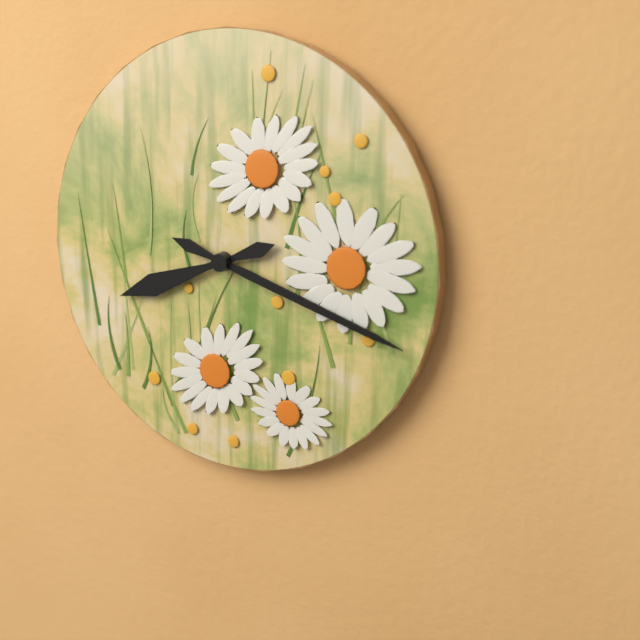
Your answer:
{"hour": 8, "minute": 18}
